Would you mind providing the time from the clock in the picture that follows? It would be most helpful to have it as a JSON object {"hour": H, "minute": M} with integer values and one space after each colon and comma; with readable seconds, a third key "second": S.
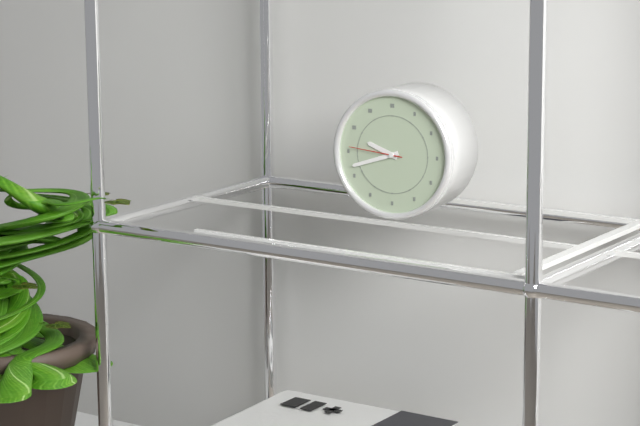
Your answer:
{"hour": 9, "minute": 42, "second": 46}
